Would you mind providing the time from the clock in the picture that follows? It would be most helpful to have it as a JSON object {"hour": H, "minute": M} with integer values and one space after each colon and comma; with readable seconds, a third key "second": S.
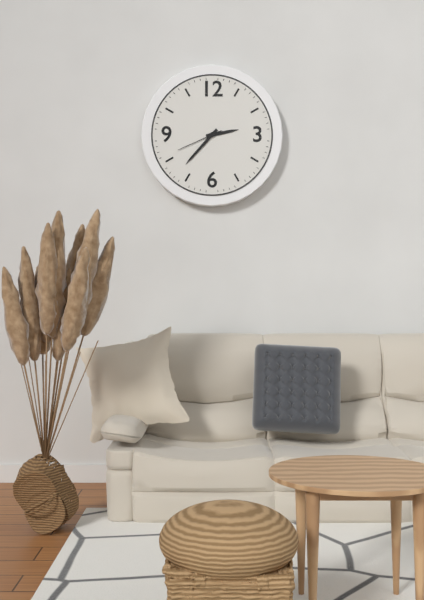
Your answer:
{"hour": 2, "minute": 37}
